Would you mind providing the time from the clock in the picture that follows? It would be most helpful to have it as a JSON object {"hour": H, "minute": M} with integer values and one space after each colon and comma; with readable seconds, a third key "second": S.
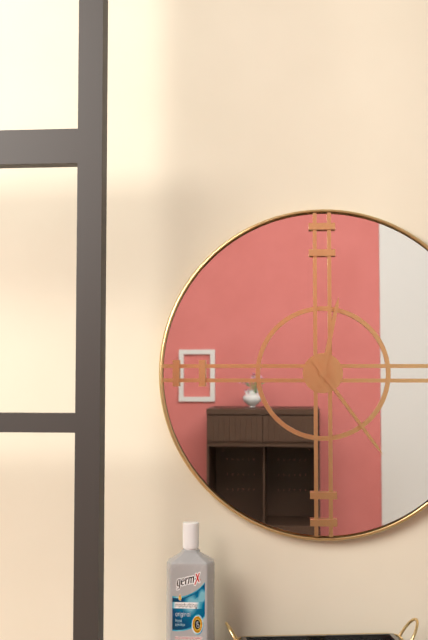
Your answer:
{"hour": 12, "minute": 24}
